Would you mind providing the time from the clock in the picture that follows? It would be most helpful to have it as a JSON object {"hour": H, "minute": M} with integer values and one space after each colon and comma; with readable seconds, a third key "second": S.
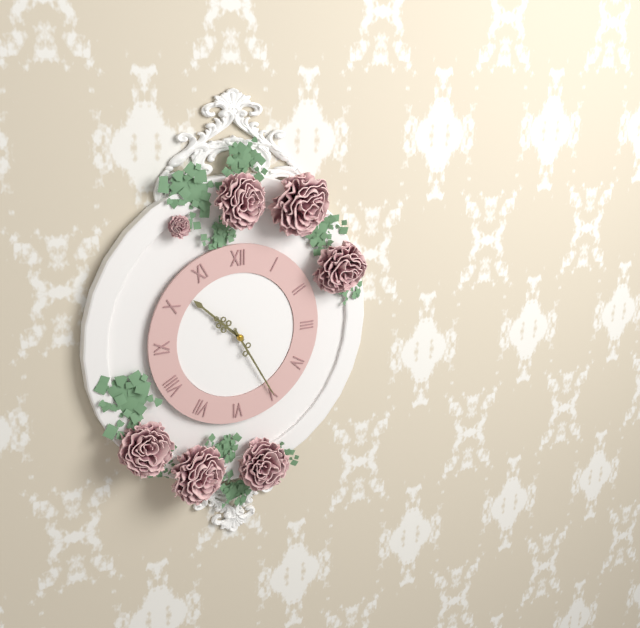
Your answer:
{"hour": 10, "minute": 25}
